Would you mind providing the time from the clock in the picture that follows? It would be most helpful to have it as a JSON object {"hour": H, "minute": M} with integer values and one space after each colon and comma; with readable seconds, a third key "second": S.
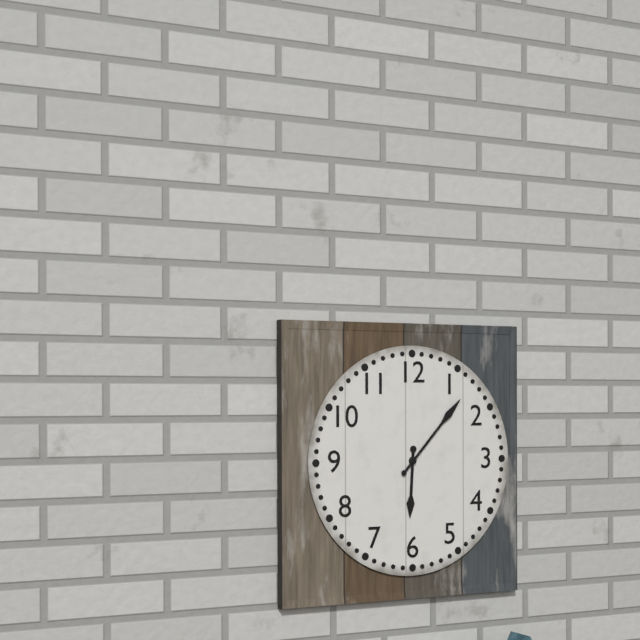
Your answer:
{"hour": 6, "minute": 7}
